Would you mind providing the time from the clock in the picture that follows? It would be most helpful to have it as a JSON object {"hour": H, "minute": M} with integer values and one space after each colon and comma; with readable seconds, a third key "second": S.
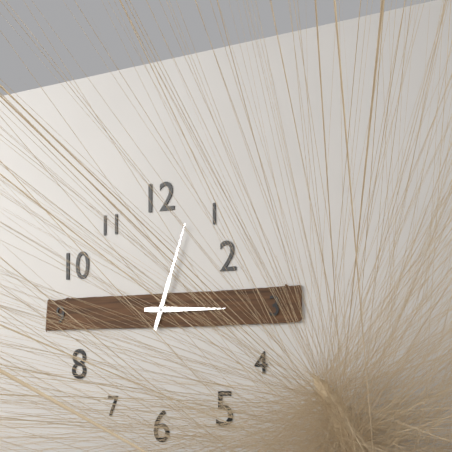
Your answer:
{"hour": 3, "minute": 3}
